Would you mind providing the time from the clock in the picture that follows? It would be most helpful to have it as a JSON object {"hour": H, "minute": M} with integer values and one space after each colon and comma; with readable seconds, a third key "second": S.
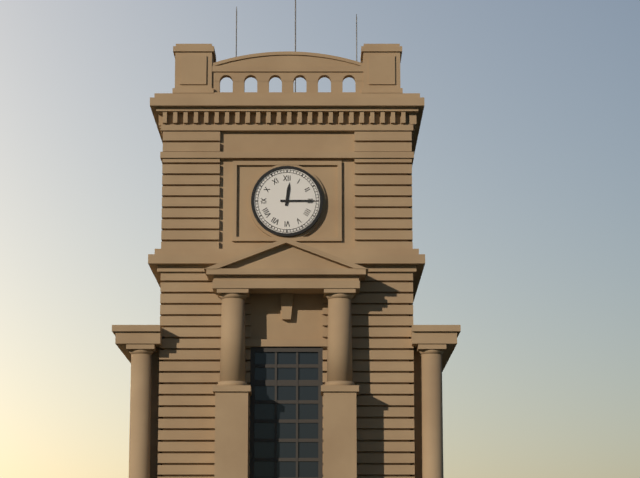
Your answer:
{"hour": 12, "minute": 15}
